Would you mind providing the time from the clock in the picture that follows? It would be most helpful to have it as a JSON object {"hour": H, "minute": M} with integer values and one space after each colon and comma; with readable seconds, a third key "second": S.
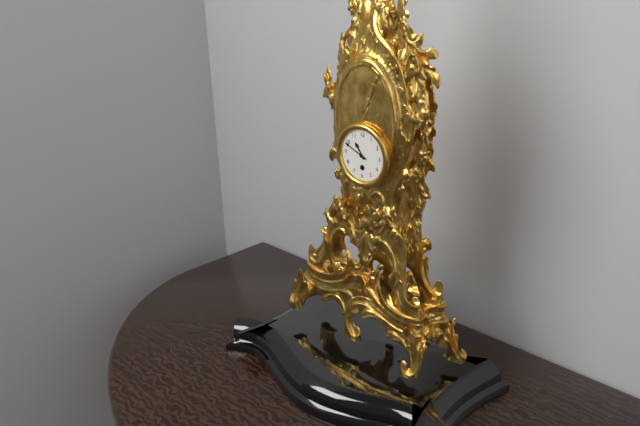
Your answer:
{"hour": 10, "minute": 49}
